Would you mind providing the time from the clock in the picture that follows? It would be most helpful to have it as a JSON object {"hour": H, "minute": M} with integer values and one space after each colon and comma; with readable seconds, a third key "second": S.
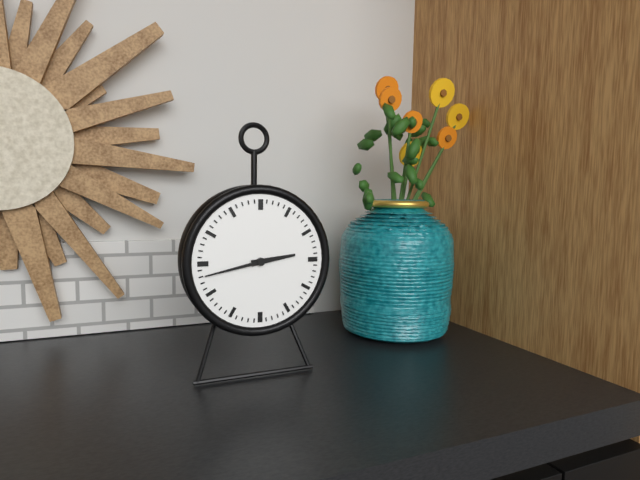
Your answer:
{"hour": 2, "minute": 43}
